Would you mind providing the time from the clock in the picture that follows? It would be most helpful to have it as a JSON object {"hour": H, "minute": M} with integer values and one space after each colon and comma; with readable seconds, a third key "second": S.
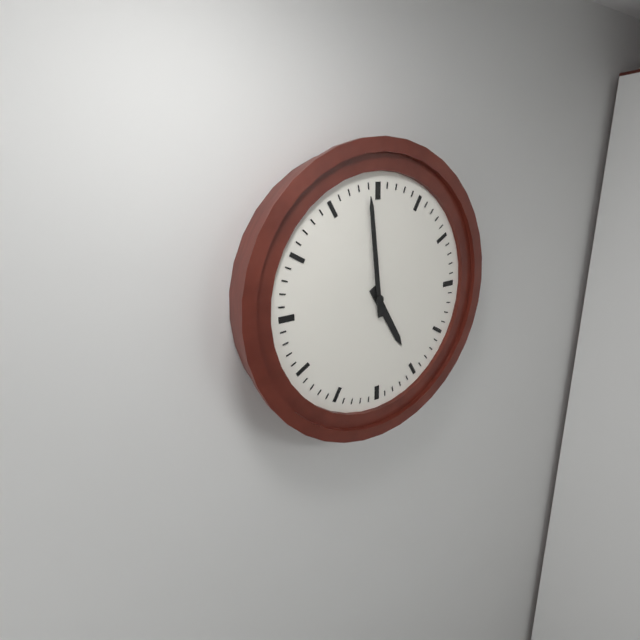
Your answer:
{"hour": 4, "minute": 59}
